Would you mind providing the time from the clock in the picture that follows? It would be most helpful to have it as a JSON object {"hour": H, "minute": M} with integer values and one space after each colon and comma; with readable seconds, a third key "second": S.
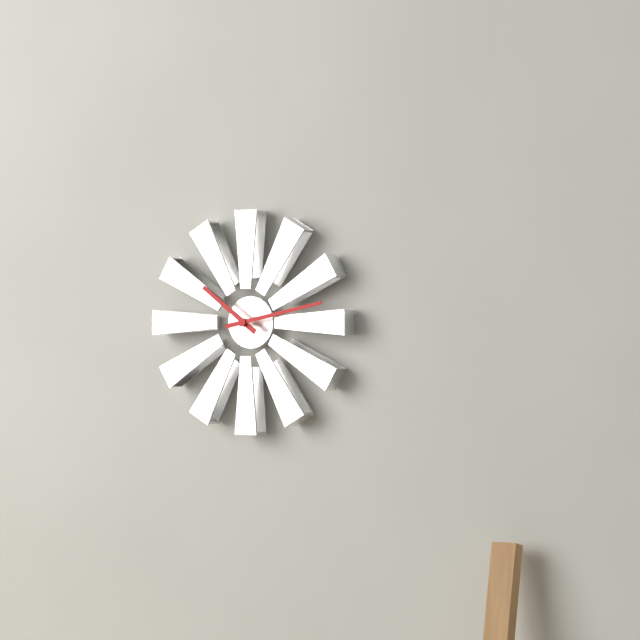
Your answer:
{"hour": 10, "minute": 13}
